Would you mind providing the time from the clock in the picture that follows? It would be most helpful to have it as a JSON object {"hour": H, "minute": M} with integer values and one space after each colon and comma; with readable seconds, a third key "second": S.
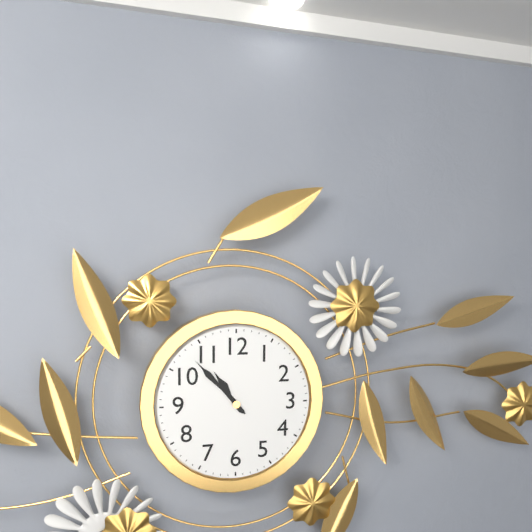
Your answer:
{"hour": 10, "minute": 53}
